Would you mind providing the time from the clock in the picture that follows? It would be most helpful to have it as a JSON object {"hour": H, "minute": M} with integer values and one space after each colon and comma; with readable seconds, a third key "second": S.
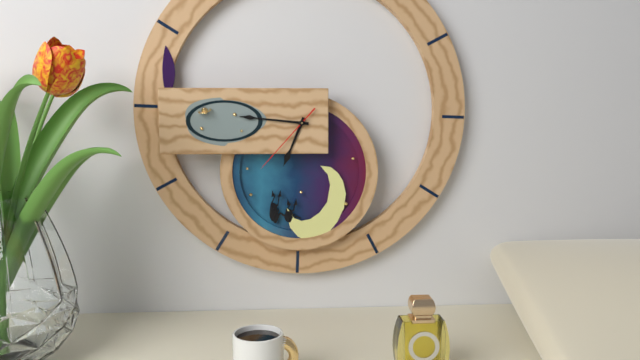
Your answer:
{"hour": 6, "minute": 46, "second": 37}
